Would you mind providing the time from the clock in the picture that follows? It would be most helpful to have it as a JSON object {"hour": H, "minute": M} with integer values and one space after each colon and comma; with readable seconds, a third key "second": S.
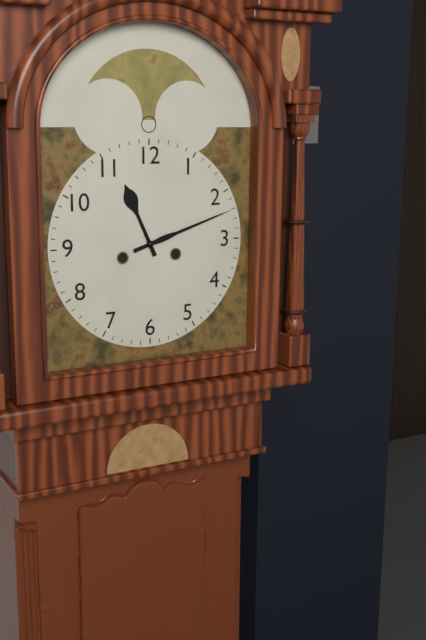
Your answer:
{"hour": 11, "minute": 12}
